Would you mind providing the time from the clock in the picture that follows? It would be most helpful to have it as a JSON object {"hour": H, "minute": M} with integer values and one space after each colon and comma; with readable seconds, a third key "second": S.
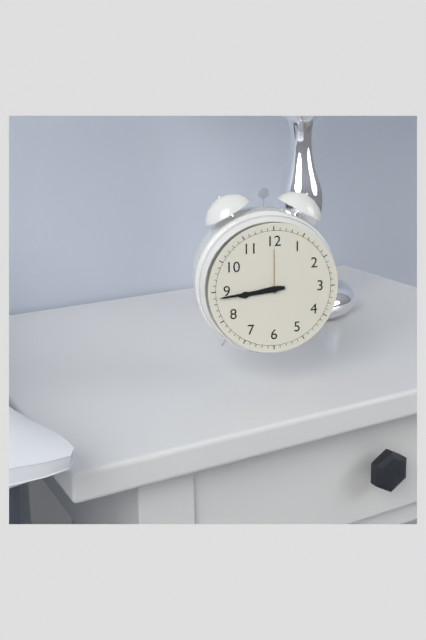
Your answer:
{"hour": 8, "minute": 44}
